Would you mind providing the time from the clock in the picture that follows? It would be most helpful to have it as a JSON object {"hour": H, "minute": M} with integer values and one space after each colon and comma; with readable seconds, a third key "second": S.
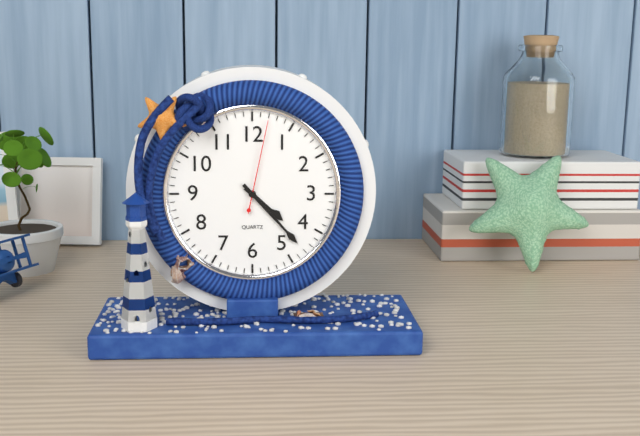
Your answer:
{"hour": 4, "minute": 23, "second": 2}
